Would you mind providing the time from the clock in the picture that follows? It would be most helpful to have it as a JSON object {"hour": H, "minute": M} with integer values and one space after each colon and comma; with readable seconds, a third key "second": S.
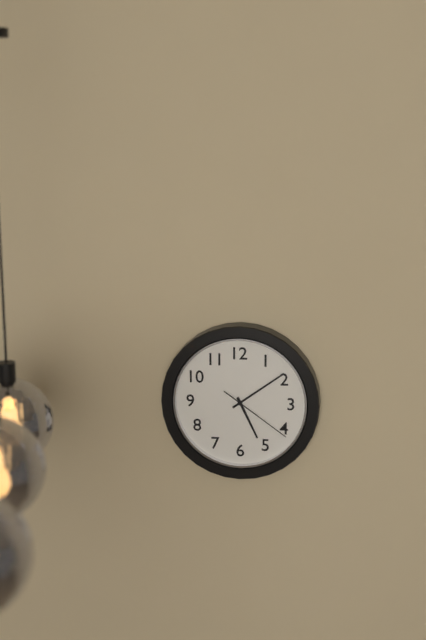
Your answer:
{"hour": 5, "minute": 9, "second": 21}
